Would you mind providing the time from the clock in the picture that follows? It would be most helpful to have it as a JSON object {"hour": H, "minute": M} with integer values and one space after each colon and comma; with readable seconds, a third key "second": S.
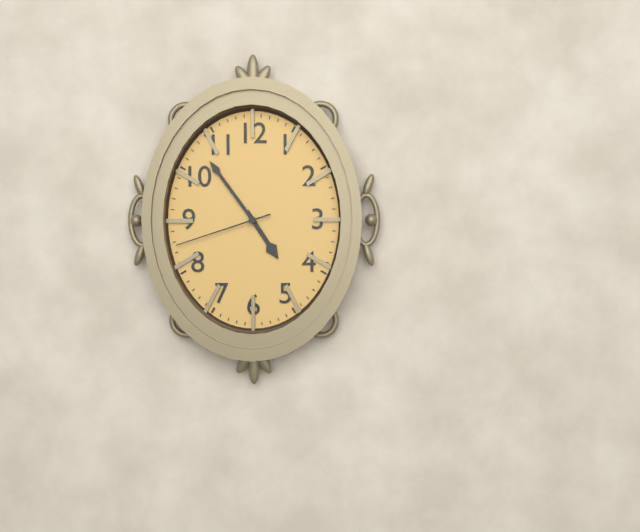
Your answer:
{"hour": 4, "minute": 54, "second": 42}
